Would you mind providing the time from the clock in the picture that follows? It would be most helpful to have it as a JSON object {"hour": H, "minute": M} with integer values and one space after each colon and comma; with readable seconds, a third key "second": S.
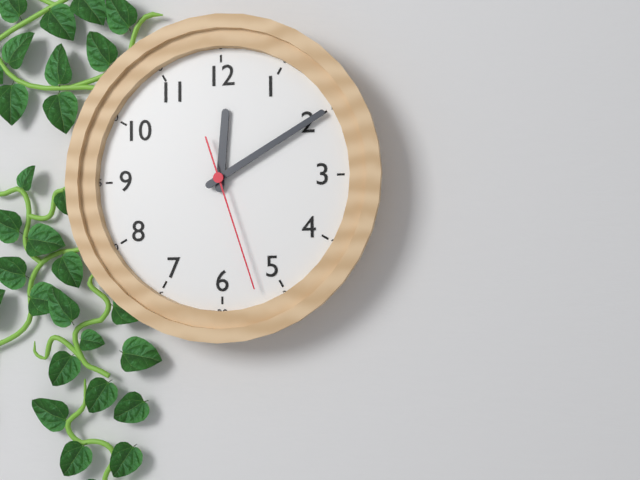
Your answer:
{"hour": 12, "minute": 10, "second": 27}
